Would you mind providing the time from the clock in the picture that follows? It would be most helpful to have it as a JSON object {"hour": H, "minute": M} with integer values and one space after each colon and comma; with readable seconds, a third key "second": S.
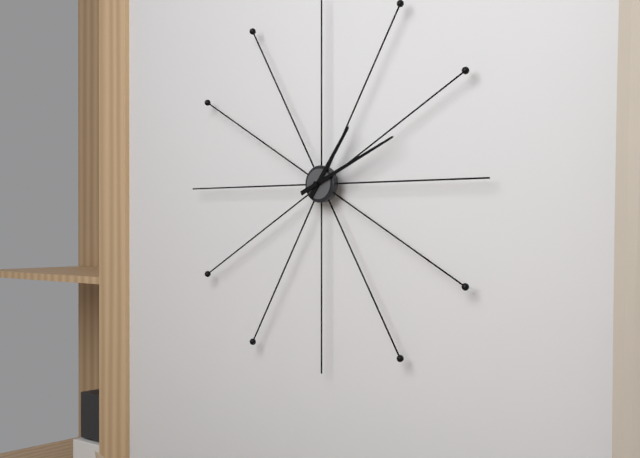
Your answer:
{"hour": 1, "minute": 11}
